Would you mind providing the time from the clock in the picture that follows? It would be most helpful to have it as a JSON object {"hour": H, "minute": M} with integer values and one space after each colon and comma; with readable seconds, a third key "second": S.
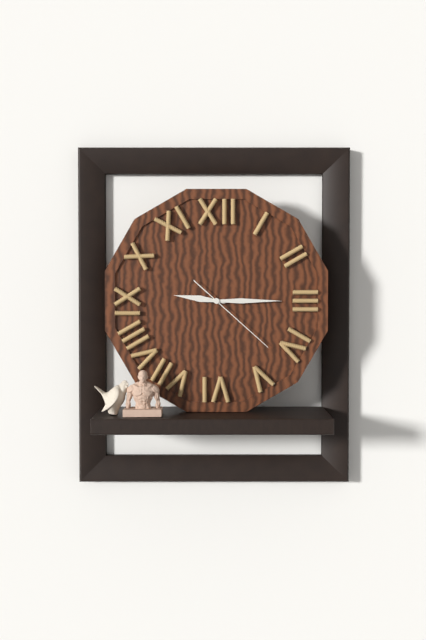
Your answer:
{"hour": 9, "minute": 15, "second": 22}
